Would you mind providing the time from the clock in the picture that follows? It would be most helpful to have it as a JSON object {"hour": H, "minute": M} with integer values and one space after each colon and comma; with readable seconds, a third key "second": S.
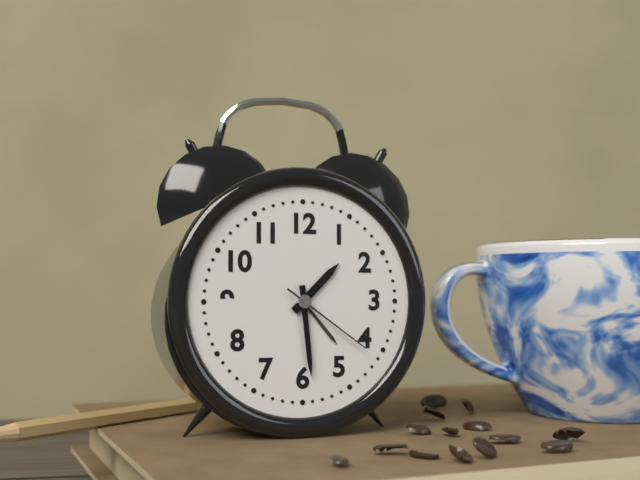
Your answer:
{"hour": 1, "minute": 29, "second": 21}
